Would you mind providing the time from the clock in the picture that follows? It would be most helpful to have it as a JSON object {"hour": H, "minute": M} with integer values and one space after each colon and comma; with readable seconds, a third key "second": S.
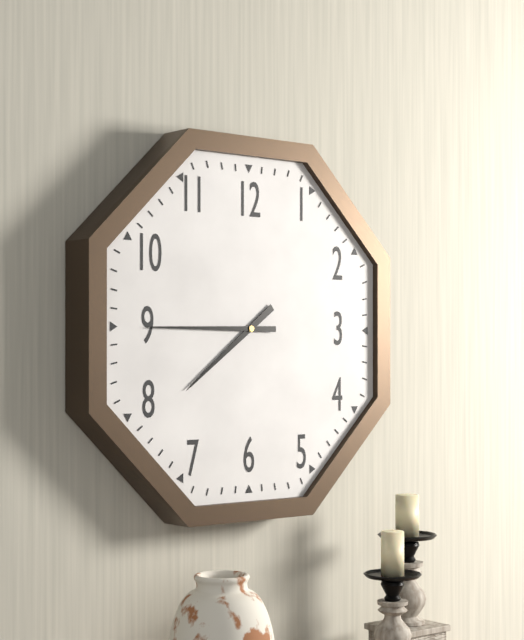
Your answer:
{"hour": 7, "minute": 45}
